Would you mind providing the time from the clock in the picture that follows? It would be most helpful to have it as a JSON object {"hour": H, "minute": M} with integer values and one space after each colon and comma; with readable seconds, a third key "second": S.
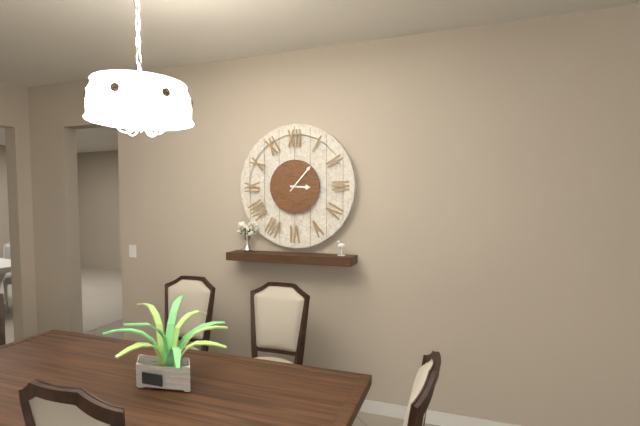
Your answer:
{"hour": 3, "minute": 7}
